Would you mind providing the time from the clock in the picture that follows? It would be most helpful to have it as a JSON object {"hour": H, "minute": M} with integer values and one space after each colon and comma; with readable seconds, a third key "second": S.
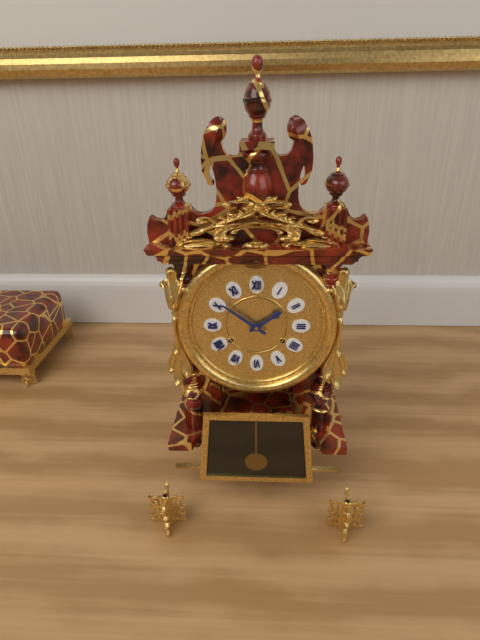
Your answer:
{"hour": 1, "minute": 51}
